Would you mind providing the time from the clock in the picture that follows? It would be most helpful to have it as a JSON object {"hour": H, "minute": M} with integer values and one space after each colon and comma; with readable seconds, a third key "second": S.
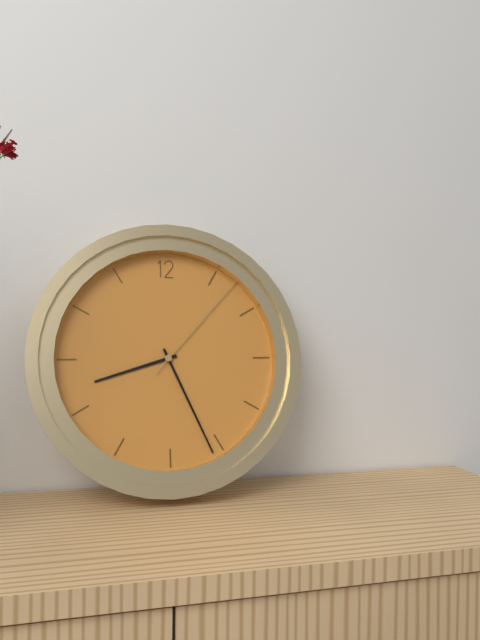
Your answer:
{"hour": 8, "minute": 26, "second": 7}
